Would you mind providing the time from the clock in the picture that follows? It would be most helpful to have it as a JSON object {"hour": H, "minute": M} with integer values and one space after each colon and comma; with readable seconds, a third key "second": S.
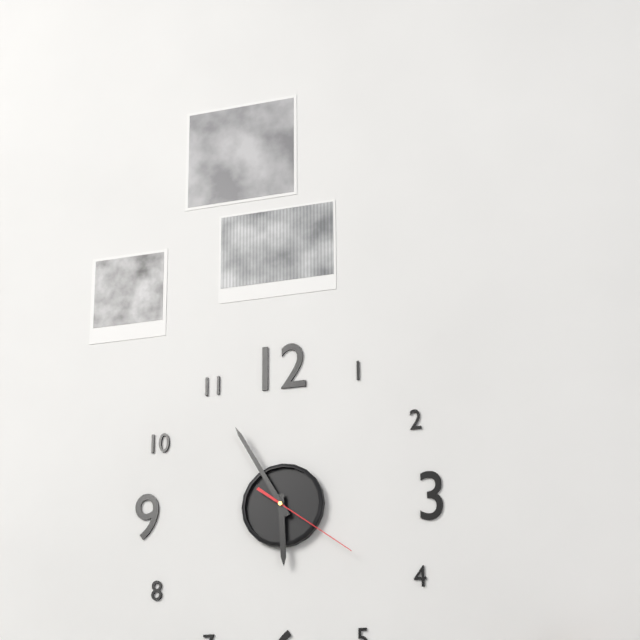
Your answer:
{"hour": 5, "minute": 55, "second": 21}
